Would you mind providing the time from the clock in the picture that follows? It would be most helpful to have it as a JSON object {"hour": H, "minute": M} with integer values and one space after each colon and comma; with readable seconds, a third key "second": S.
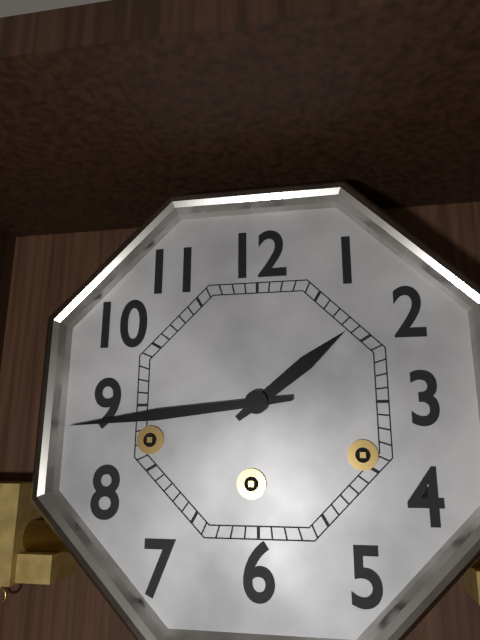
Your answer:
{"hour": 1, "minute": 44}
